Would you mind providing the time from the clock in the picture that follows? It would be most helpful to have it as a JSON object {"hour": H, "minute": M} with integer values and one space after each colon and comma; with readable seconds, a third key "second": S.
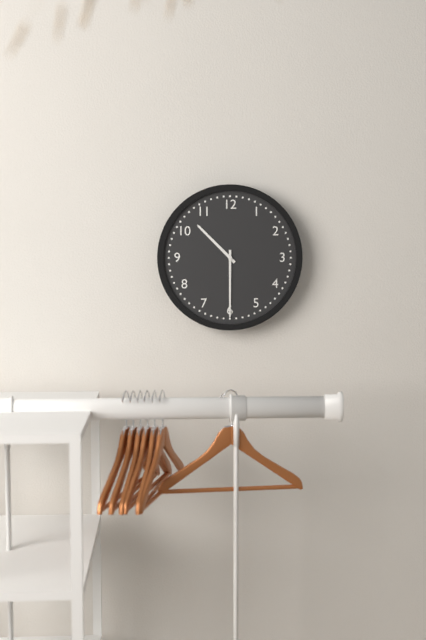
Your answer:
{"hour": 10, "minute": 30}
